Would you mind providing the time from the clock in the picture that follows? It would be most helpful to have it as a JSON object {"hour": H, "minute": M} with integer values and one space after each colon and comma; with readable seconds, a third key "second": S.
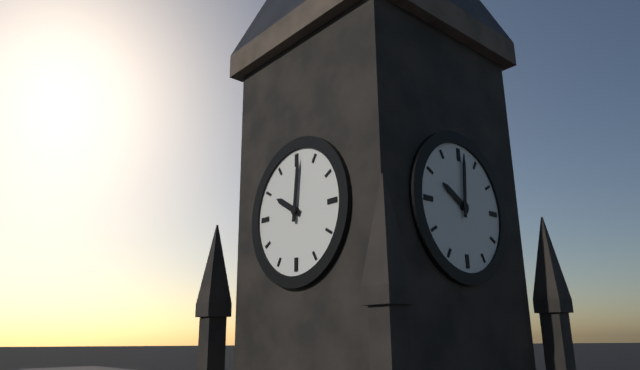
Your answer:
{"hour": 10, "minute": 1}
